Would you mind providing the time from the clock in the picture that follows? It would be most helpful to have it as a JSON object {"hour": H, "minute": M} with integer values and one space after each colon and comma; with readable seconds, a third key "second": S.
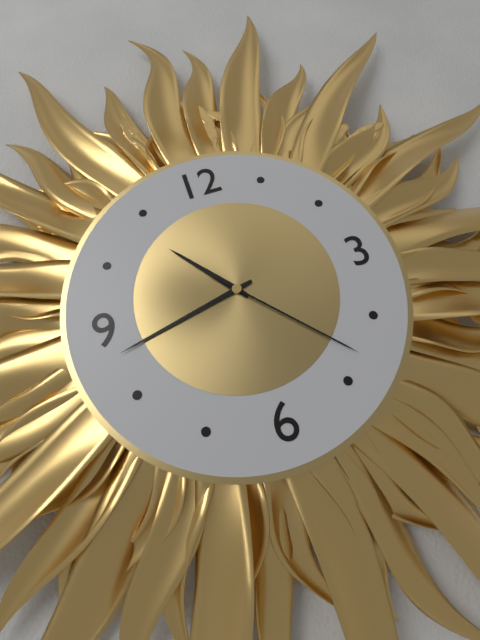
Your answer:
{"hour": 10, "minute": 43, "second": 23}
